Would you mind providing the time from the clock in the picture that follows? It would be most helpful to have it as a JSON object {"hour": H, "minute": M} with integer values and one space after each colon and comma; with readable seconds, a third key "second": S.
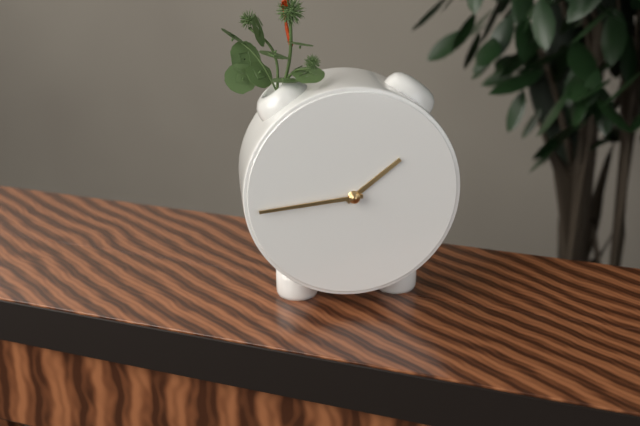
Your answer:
{"hour": 1, "minute": 44}
